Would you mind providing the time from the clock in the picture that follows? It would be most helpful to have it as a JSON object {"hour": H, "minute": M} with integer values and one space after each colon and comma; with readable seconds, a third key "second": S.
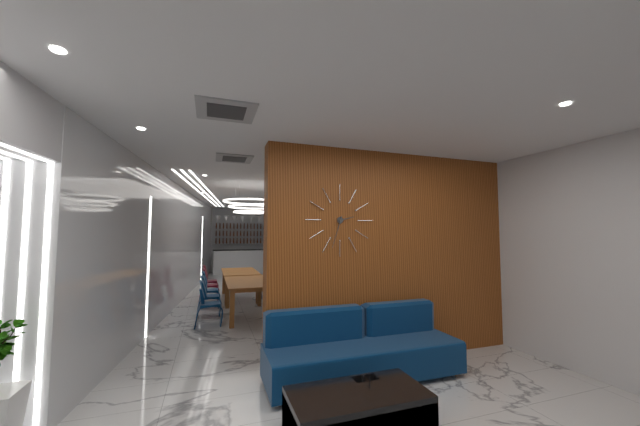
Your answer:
{"hour": 2, "minute": 33}
